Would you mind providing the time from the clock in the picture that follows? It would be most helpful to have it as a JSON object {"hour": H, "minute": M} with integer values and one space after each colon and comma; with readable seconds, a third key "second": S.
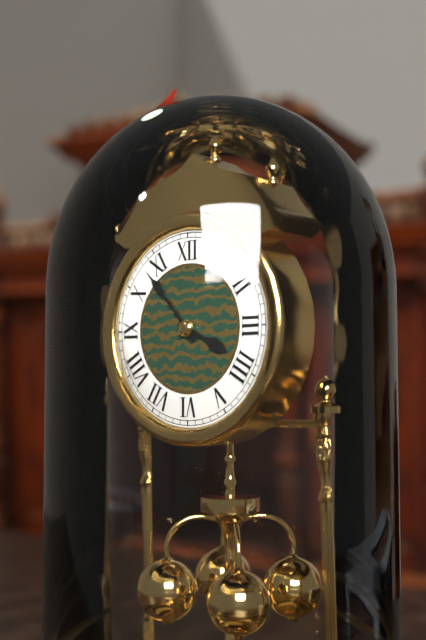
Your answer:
{"hour": 3, "minute": 53}
